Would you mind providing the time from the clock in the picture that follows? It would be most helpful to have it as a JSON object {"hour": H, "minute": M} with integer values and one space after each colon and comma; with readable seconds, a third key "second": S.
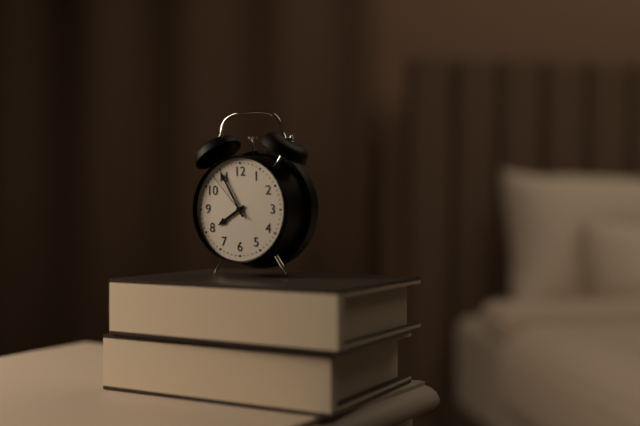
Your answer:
{"hour": 7, "minute": 55, "second": 53}
